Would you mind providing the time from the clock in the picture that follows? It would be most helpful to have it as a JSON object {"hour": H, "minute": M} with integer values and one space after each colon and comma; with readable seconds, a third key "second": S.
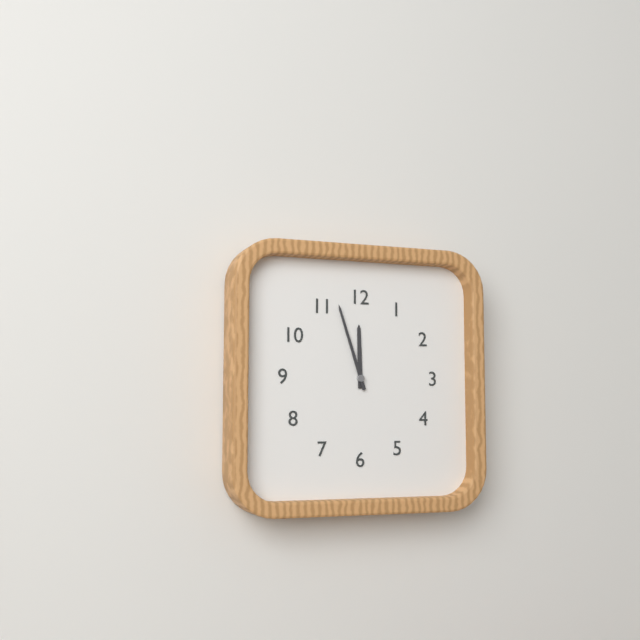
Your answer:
{"hour": 11, "minute": 57}
